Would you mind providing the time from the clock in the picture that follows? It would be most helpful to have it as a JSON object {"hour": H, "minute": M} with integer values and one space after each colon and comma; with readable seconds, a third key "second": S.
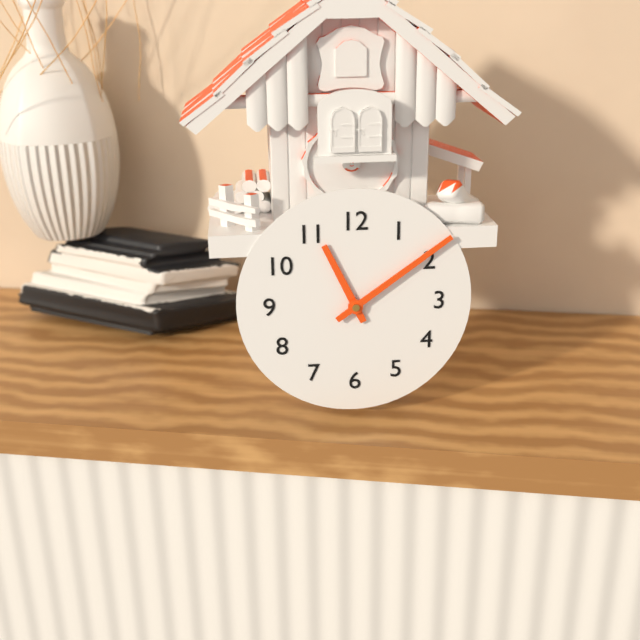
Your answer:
{"hour": 11, "minute": 9}
